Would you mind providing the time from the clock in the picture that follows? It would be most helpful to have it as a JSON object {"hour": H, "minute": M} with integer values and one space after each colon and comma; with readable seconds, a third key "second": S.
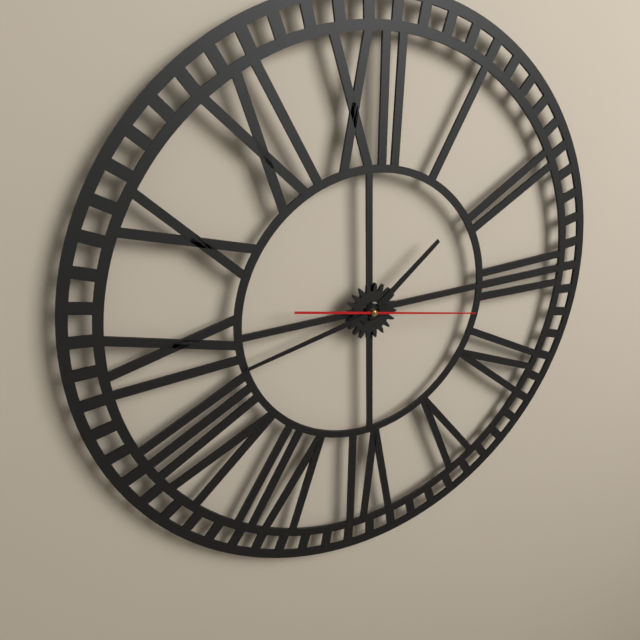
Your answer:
{"hour": 1, "minute": 43, "second": 17}
